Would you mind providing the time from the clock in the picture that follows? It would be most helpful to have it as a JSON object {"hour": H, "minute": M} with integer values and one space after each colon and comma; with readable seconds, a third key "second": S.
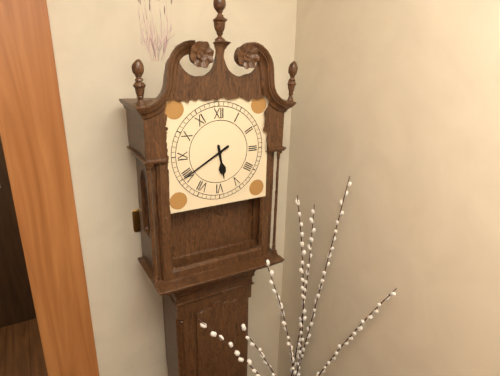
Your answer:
{"hour": 5, "minute": 40}
